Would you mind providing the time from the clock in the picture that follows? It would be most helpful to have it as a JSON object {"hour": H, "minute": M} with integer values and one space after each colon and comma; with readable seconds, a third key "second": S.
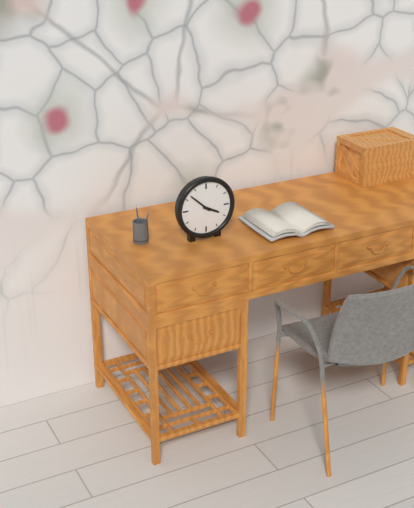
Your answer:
{"hour": 3, "minute": 52}
